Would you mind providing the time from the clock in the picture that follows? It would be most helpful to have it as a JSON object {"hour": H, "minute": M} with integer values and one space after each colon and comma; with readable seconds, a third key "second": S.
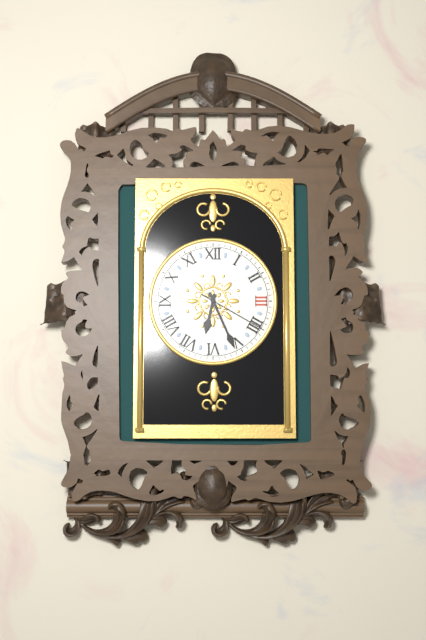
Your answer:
{"hour": 6, "minute": 26, "second": 20}
